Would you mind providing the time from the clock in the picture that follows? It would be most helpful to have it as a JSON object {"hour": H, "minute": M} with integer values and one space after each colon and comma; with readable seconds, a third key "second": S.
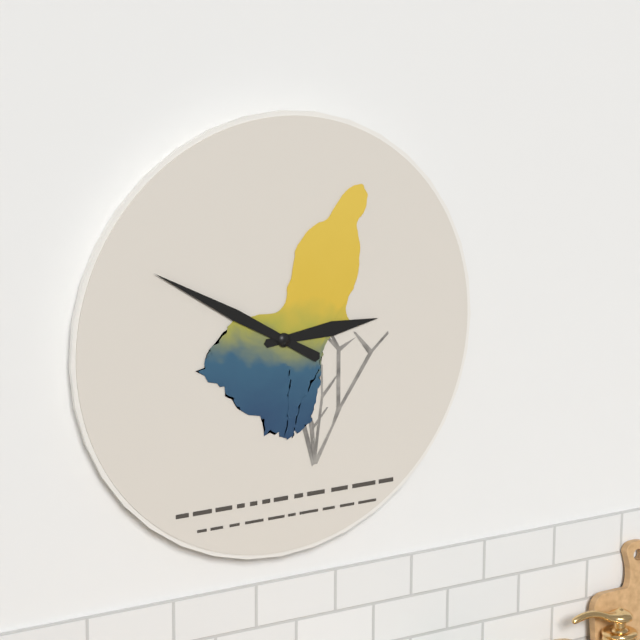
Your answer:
{"hour": 2, "minute": 50}
